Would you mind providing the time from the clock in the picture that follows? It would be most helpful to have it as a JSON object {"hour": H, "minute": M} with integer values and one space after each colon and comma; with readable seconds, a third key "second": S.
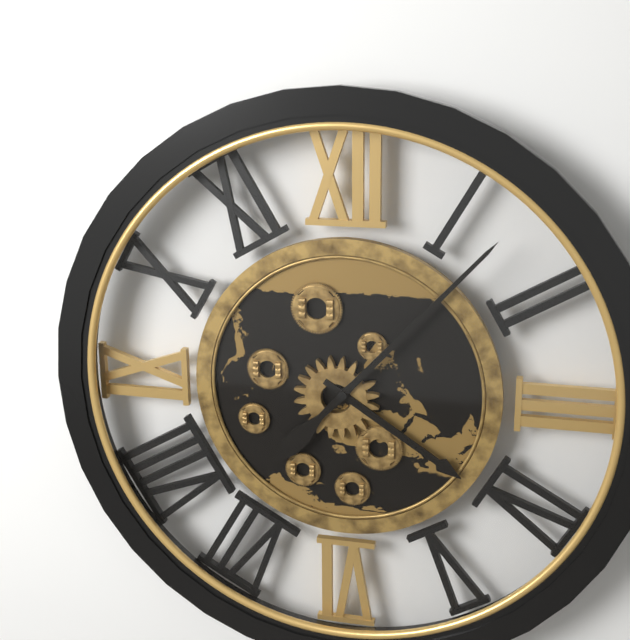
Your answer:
{"hour": 4, "minute": 7}
